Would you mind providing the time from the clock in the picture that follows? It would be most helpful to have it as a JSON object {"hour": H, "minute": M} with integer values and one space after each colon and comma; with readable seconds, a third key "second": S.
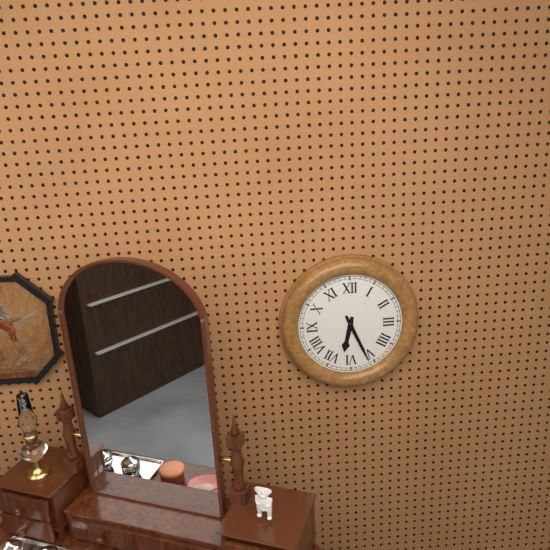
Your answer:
{"hour": 6, "minute": 26}
